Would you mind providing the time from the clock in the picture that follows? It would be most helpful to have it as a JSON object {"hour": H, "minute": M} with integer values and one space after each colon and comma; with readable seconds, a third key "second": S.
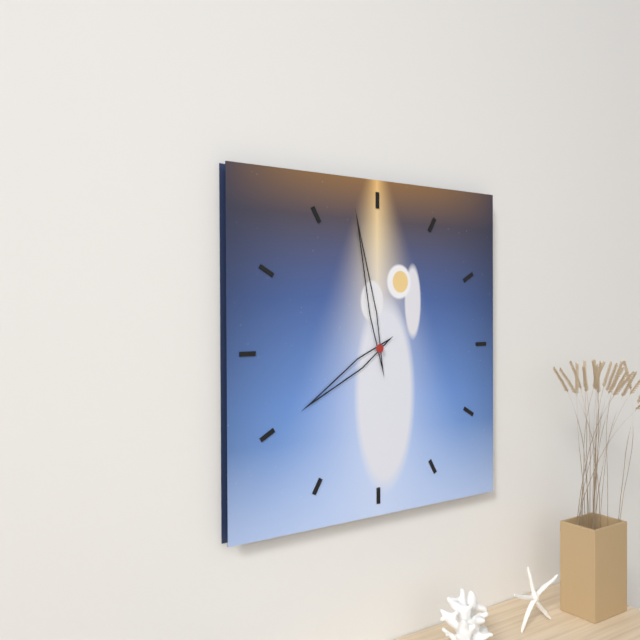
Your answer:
{"hour": 7, "minute": 58}
